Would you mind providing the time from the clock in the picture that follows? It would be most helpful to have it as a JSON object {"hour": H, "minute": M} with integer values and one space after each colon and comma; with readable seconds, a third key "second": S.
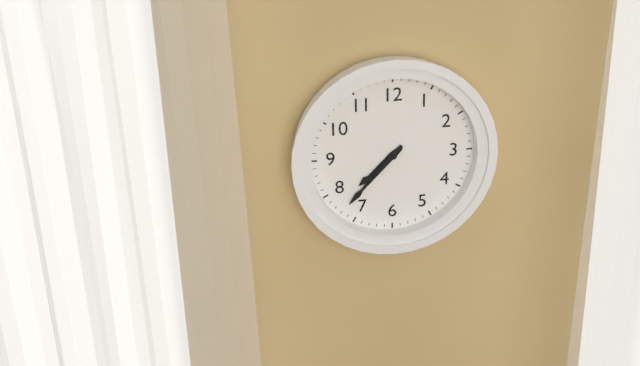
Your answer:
{"hour": 7, "minute": 37}
